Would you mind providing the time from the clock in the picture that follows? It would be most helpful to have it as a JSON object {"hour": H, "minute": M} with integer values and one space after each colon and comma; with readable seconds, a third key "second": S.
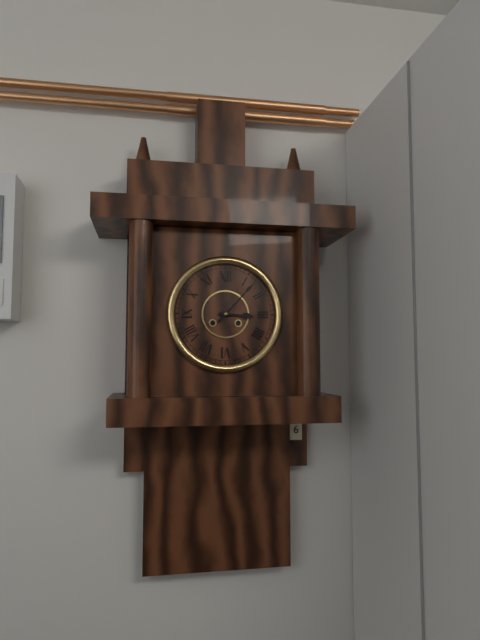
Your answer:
{"hour": 3, "minute": 7}
